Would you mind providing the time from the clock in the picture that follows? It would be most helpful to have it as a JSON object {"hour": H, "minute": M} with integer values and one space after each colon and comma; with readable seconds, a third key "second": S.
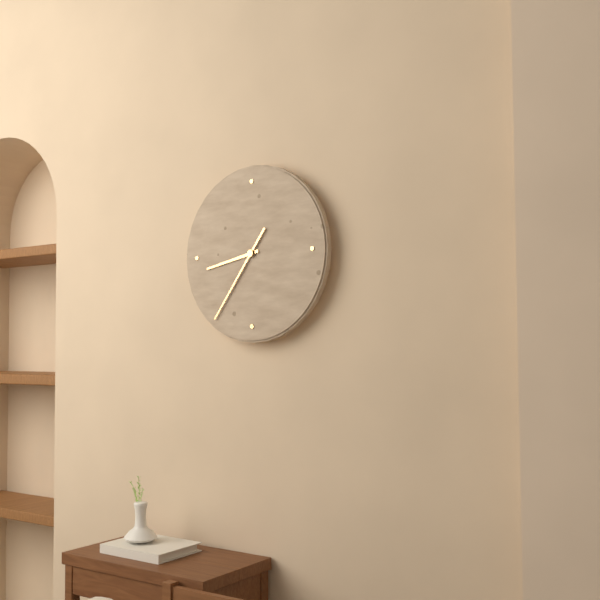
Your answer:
{"hour": 8, "minute": 36}
